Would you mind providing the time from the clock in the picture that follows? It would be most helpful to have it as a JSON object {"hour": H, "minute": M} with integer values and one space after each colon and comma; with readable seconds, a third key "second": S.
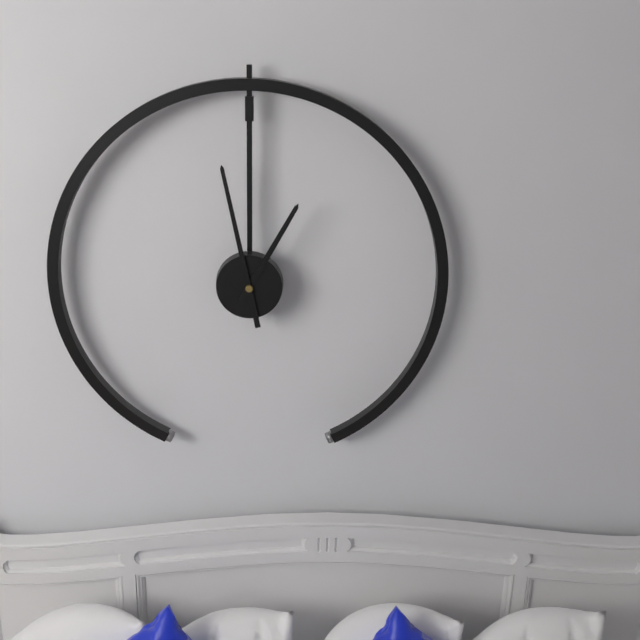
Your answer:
{"hour": 12, "minute": 58}
